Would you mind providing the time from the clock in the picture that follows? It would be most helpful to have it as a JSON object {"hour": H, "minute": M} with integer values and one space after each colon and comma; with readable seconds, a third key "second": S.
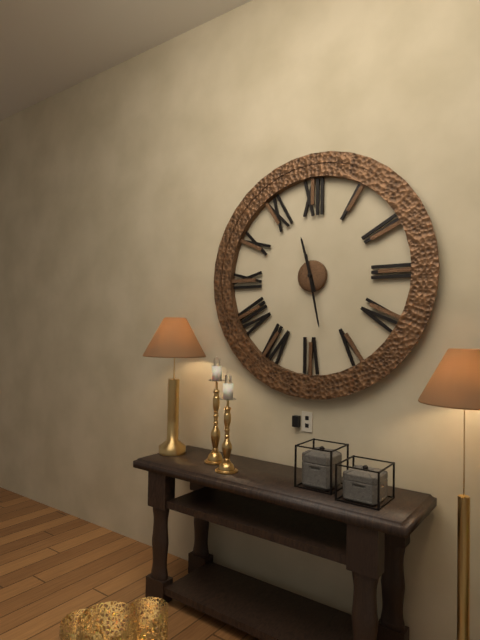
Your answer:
{"hour": 11, "minute": 28}
